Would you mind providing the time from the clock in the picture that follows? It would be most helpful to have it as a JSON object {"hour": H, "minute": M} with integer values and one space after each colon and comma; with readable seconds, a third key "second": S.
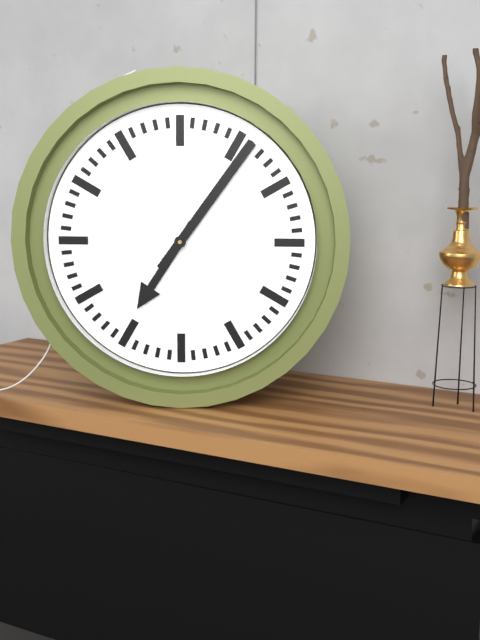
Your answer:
{"hour": 7, "minute": 6}
